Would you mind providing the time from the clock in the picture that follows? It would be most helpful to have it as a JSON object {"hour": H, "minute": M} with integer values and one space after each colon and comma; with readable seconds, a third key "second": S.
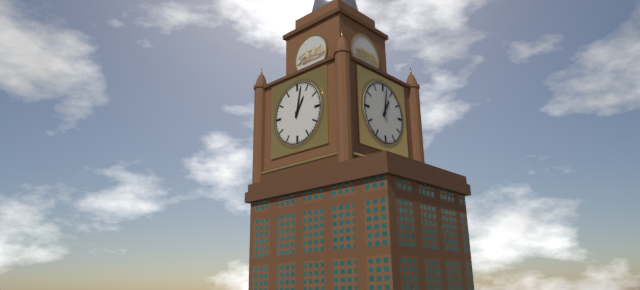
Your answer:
{"hour": 1, "minute": 2}
